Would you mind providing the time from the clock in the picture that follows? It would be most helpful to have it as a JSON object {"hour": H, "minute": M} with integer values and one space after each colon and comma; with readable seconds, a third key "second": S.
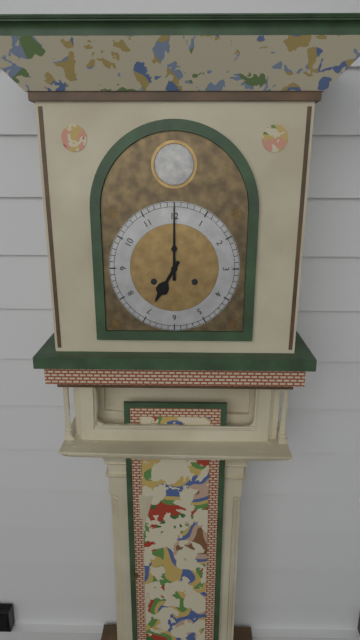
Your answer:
{"hour": 7, "minute": 0}
